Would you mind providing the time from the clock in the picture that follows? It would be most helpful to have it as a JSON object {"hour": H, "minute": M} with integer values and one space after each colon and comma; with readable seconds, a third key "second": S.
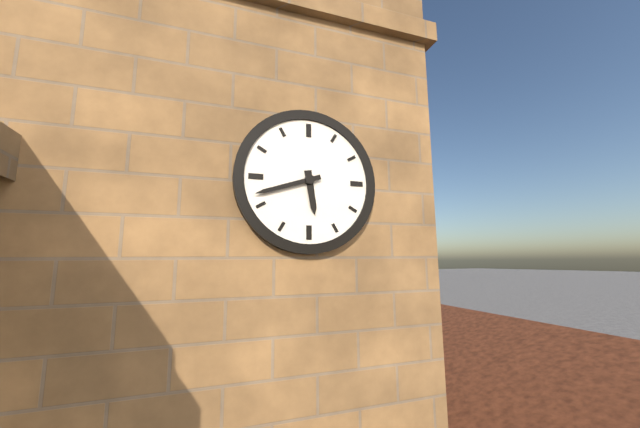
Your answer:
{"hour": 5, "minute": 42}
